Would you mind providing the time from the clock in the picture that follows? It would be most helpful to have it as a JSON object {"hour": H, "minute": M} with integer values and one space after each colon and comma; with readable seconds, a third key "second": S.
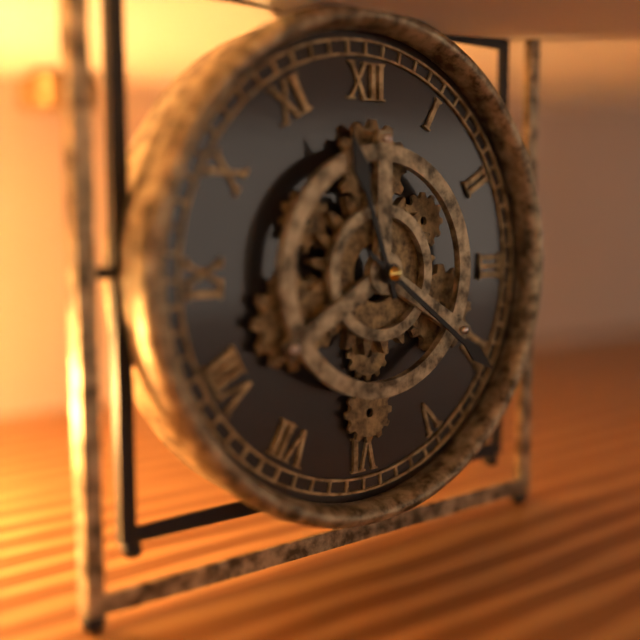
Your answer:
{"hour": 11, "minute": 21}
